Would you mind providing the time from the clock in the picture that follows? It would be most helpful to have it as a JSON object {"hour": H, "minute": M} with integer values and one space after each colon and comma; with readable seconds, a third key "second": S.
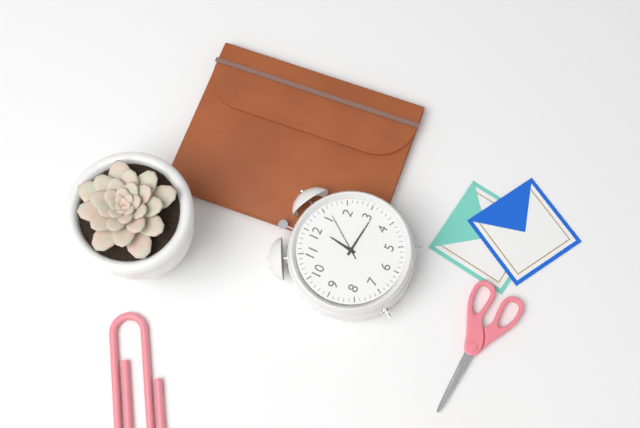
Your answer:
{"hour": 12, "minute": 16, "second": 6}
